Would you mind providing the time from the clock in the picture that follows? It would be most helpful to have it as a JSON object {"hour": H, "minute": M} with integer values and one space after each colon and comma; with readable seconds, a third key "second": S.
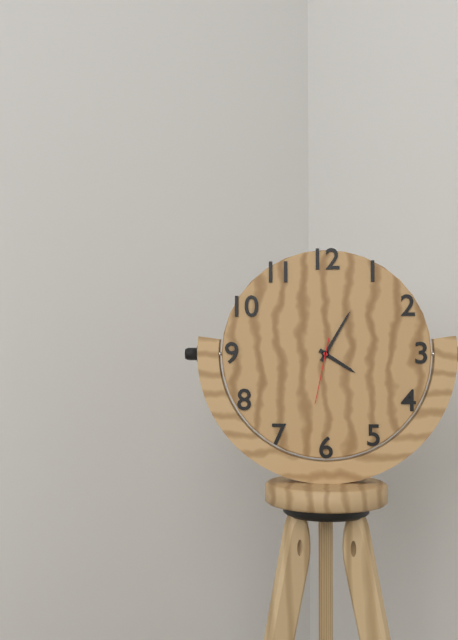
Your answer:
{"hour": 4, "minute": 5, "second": 32}
